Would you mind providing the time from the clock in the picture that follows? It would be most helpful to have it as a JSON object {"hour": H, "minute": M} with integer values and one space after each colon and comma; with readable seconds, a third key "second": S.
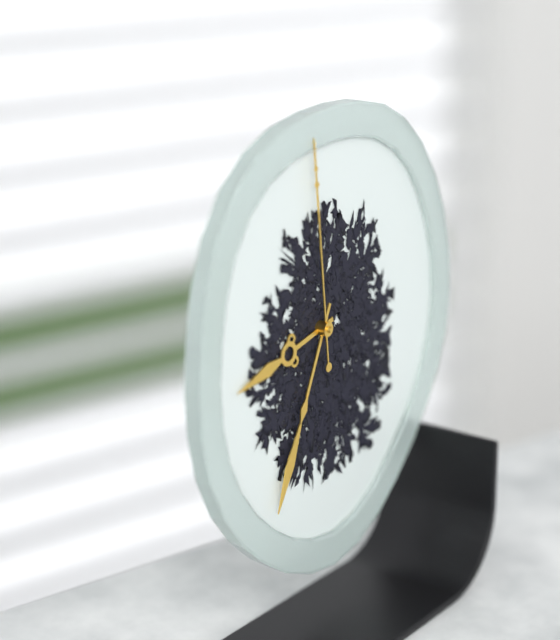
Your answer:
{"hour": 8, "minute": 34, "second": 59}
